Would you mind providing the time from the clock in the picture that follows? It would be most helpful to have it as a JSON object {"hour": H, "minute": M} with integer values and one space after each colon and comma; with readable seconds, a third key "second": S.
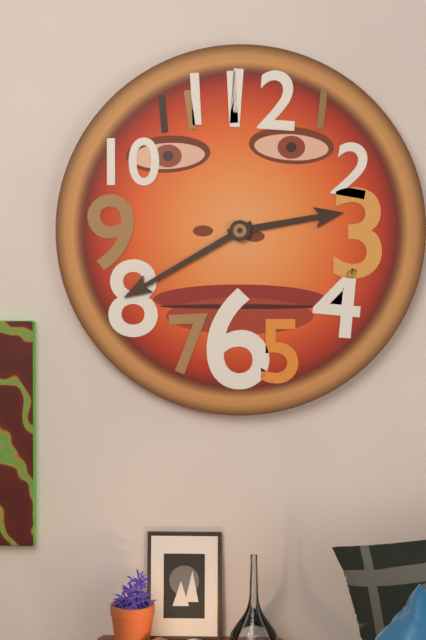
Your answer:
{"hour": 2, "minute": 40}
